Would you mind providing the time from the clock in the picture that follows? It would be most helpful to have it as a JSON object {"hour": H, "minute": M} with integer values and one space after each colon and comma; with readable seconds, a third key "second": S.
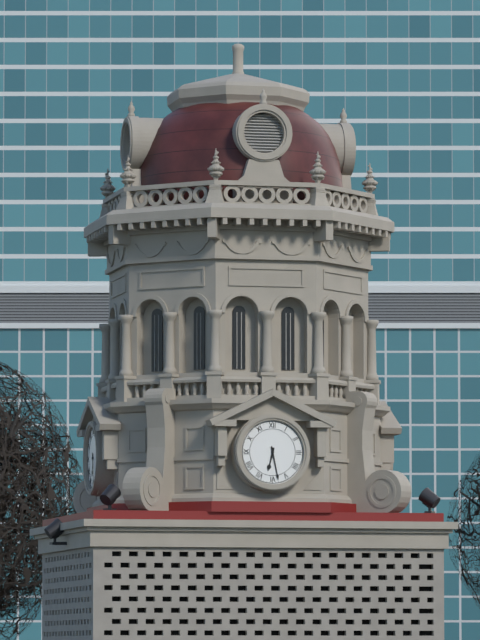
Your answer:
{"hour": 6, "minute": 28}
